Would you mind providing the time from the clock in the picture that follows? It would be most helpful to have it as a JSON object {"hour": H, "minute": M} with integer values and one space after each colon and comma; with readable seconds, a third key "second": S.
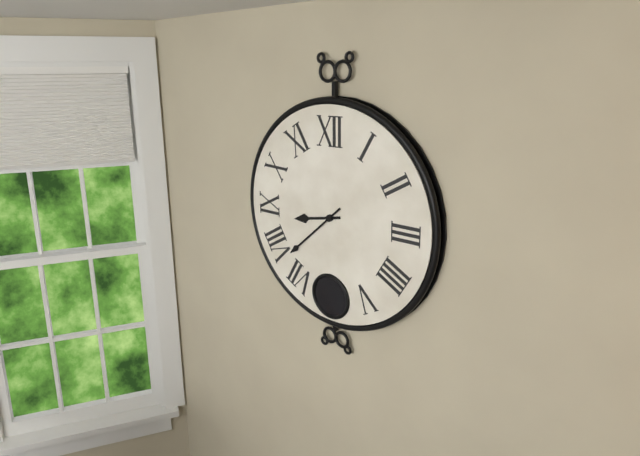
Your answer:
{"hour": 8, "minute": 38}
